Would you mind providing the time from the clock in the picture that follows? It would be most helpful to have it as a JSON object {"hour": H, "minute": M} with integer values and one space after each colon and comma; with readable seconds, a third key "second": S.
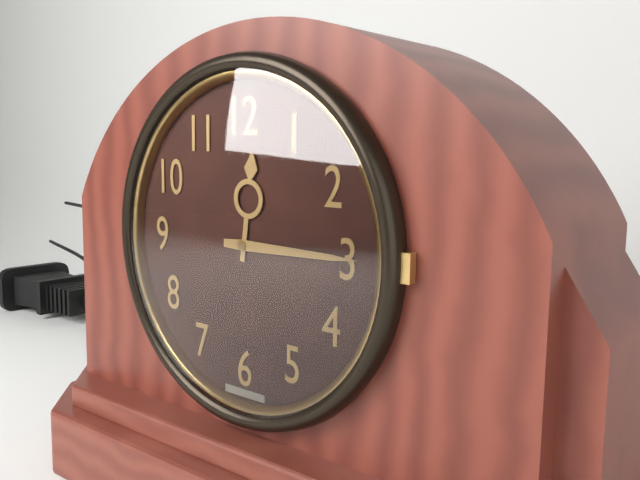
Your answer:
{"hour": 12, "minute": 15}
